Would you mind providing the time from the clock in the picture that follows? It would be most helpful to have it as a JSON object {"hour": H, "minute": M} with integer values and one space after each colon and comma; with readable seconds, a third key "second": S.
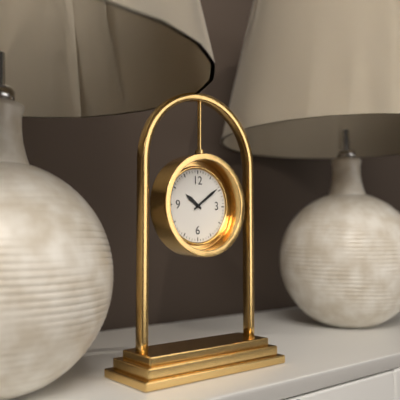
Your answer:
{"hour": 10, "minute": 9}
